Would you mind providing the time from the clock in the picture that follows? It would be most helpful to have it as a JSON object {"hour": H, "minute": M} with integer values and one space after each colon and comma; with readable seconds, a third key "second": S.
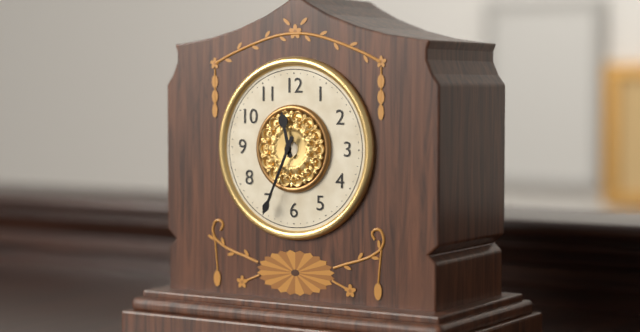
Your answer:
{"hour": 11, "minute": 34}
